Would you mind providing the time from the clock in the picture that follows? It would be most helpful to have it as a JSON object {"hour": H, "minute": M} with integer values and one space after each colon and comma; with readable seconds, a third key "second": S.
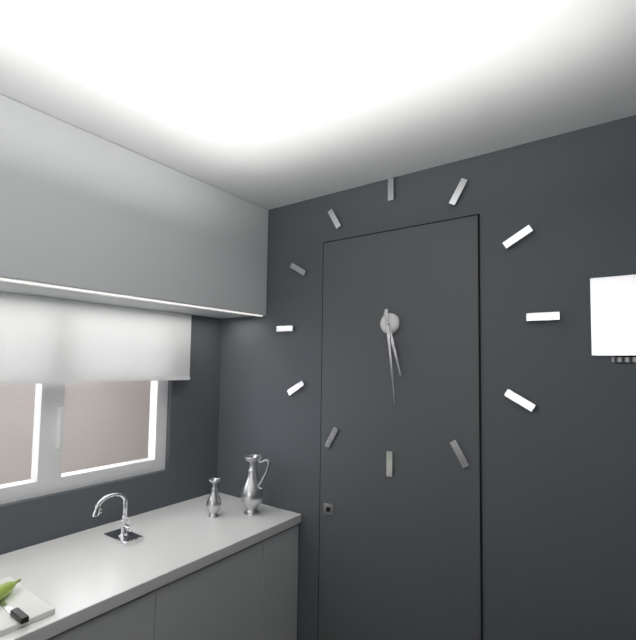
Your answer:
{"hour": 5, "minute": 29}
